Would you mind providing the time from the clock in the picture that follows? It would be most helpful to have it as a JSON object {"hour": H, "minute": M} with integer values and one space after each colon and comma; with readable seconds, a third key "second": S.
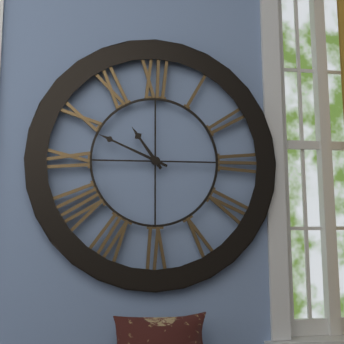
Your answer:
{"hour": 10, "minute": 49}
